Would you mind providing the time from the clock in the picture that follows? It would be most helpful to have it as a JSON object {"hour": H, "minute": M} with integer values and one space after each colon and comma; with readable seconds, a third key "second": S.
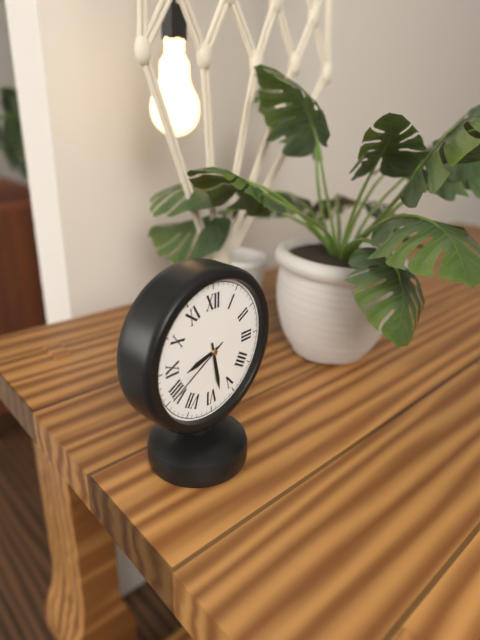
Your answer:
{"hour": 8, "minute": 28, "second": 40}
